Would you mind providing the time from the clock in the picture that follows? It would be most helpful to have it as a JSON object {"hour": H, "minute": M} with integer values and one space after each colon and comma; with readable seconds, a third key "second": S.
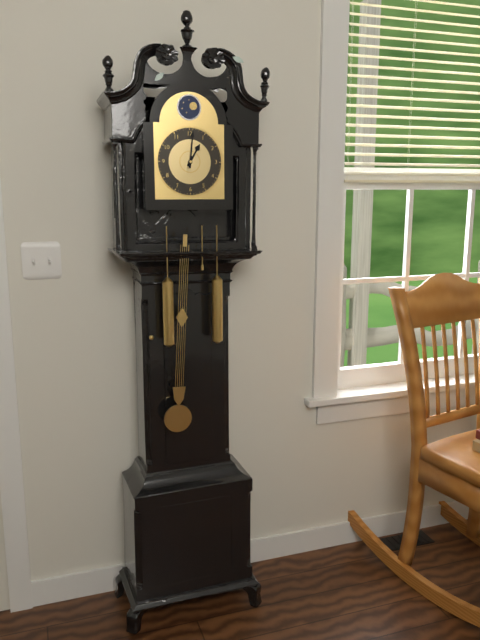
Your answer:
{"hour": 1, "minute": 1}
